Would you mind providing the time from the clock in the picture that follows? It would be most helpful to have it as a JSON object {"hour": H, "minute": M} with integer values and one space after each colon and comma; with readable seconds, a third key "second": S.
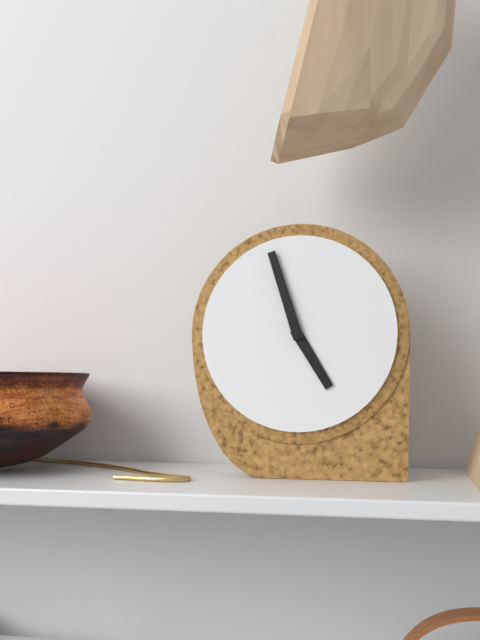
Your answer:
{"hour": 4, "minute": 57}
